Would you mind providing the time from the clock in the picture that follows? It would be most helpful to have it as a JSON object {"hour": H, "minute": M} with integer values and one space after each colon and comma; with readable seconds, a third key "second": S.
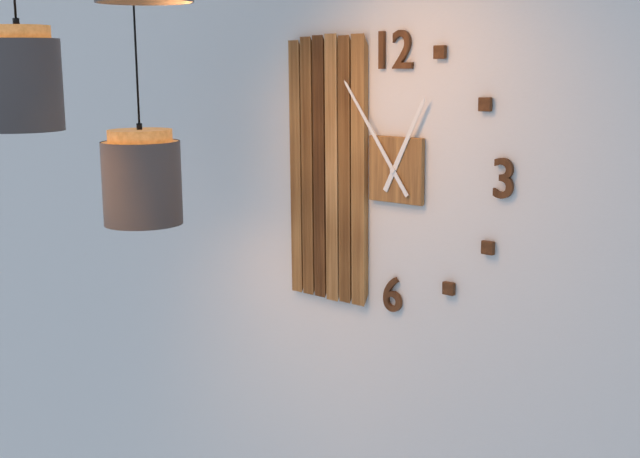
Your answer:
{"hour": 12, "minute": 54}
